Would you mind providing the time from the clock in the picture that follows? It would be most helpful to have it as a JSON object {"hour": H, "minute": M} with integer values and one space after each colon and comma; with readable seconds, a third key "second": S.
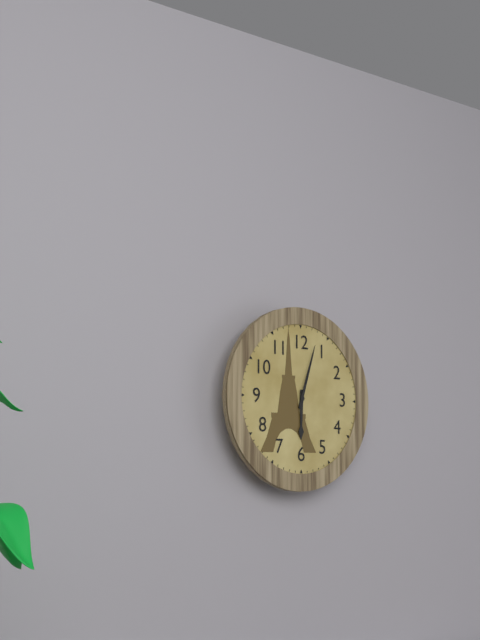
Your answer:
{"hour": 6, "minute": 3}
